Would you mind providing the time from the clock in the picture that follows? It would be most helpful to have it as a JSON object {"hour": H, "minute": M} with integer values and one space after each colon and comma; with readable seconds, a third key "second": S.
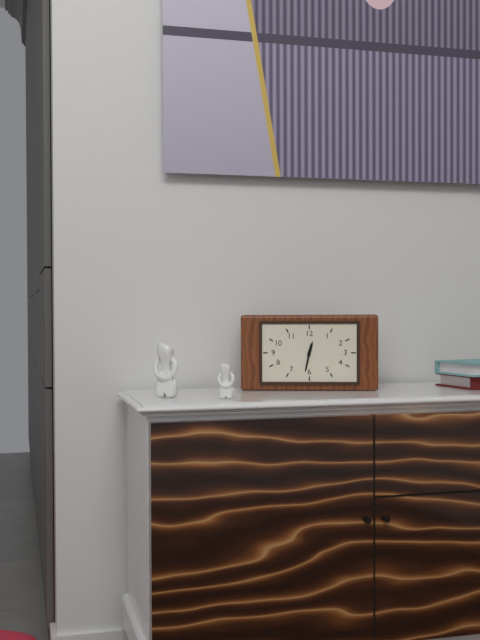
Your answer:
{"hour": 12, "minute": 32}
